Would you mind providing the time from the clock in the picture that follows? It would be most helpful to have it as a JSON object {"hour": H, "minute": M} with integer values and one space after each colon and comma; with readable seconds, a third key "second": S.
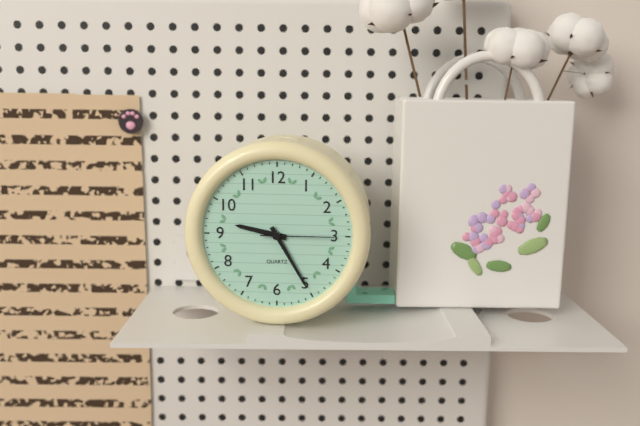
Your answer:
{"hour": 9, "minute": 25, "second": 15}
